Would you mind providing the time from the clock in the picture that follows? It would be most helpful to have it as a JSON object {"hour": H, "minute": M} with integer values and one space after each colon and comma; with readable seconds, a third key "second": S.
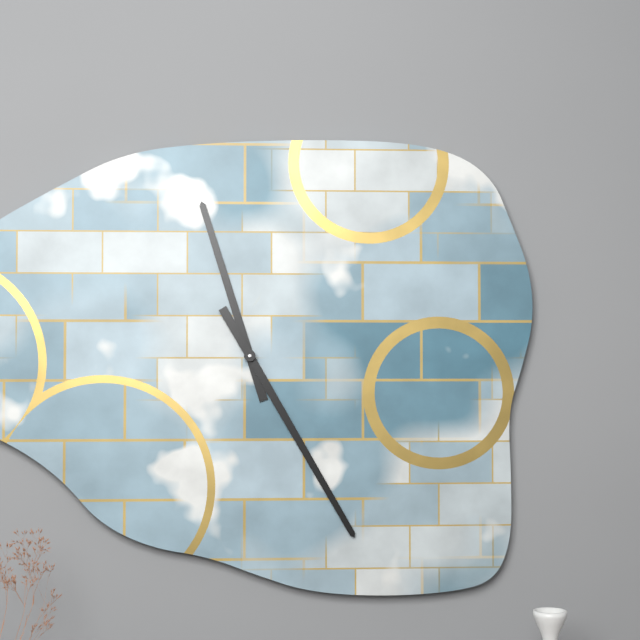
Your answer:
{"hour": 11, "minute": 25}
